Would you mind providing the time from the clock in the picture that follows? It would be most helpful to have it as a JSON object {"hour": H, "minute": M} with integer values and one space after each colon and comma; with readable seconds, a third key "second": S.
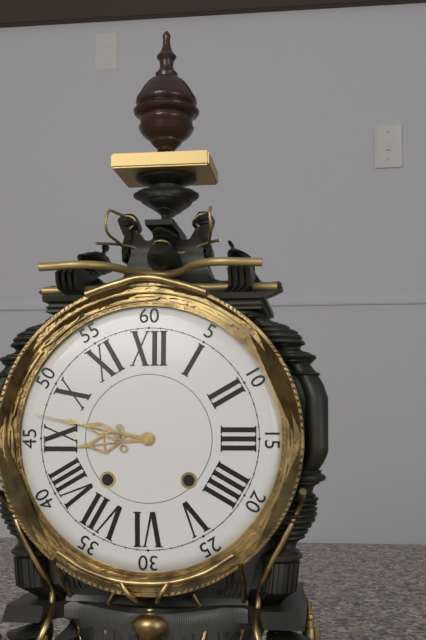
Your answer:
{"hour": 8, "minute": 47}
